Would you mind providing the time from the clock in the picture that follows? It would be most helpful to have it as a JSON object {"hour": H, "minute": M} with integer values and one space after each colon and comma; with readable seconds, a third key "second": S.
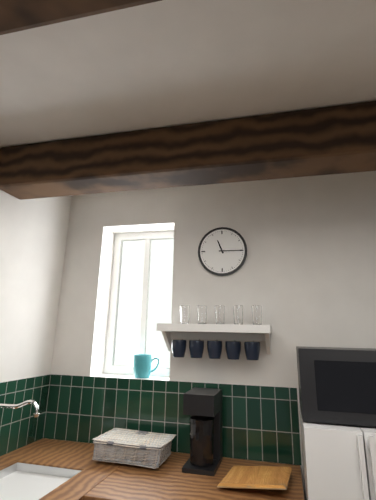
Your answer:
{"hour": 11, "minute": 15}
